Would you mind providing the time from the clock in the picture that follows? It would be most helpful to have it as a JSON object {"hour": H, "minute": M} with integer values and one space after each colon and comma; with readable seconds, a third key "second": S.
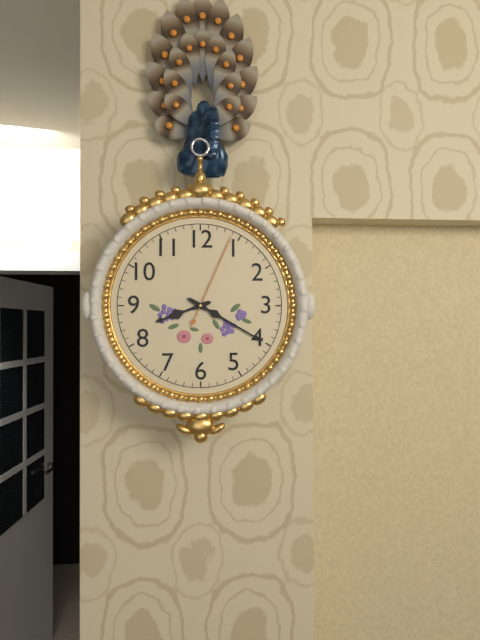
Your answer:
{"hour": 8, "minute": 20, "second": 4}
